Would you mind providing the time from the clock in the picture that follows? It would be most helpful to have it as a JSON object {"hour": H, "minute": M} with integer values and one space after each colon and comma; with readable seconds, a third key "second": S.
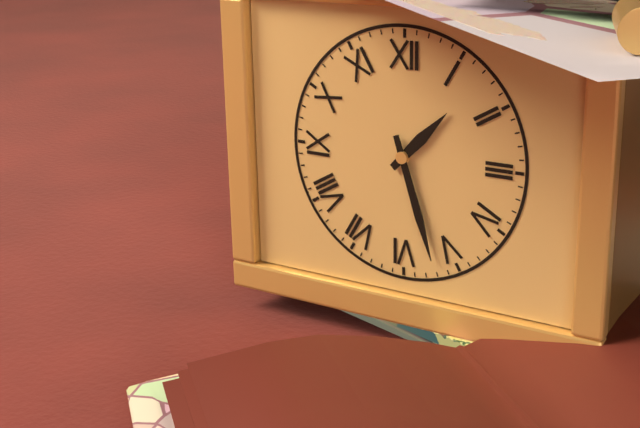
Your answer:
{"hour": 1, "minute": 27}
